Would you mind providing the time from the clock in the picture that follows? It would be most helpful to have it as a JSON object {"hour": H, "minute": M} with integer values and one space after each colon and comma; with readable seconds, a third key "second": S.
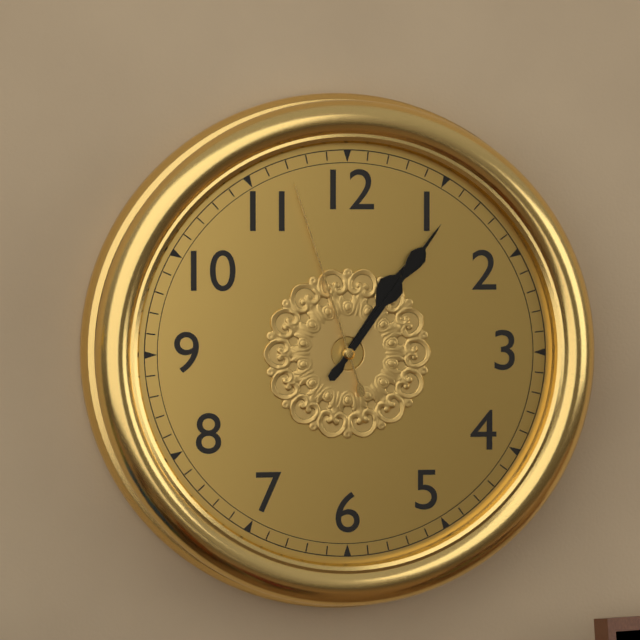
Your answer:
{"hour": 1, "minute": 6, "second": 57}
